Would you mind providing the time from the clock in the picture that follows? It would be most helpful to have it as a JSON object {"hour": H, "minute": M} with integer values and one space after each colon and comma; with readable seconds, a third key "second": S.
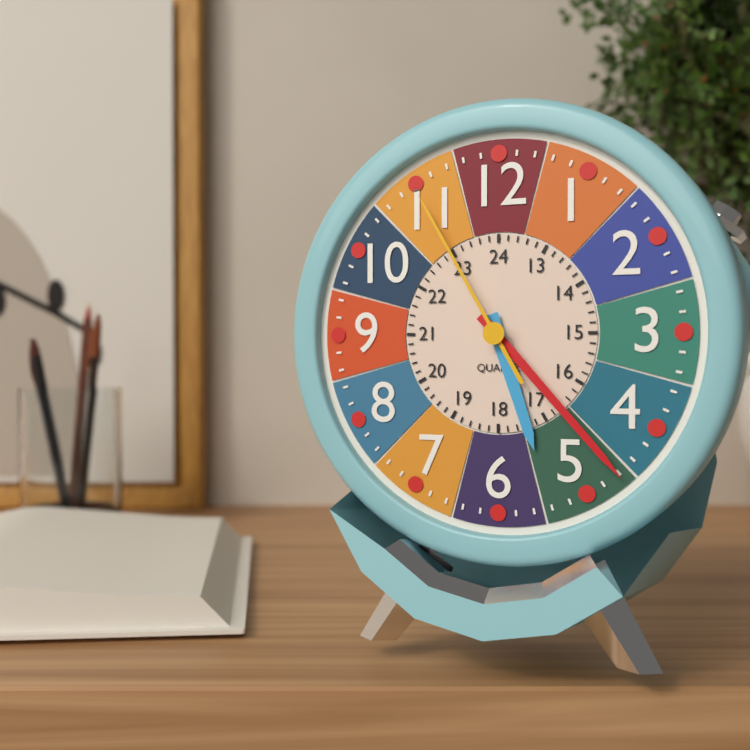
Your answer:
{"hour": 5, "minute": 23, "second": 55}
